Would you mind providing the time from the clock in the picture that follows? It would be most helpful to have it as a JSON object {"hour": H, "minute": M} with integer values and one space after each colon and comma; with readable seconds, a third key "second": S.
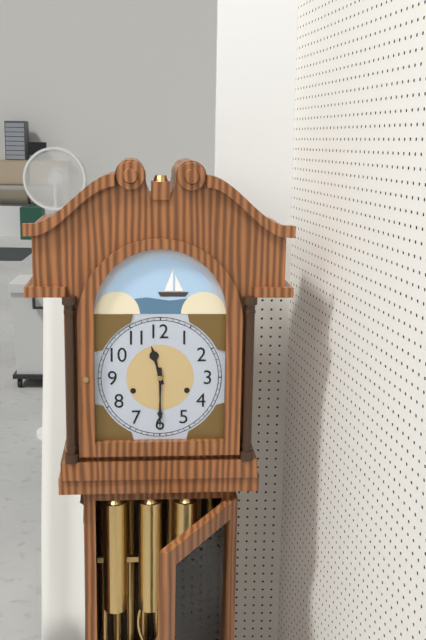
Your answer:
{"hour": 11, "minute": 30}
